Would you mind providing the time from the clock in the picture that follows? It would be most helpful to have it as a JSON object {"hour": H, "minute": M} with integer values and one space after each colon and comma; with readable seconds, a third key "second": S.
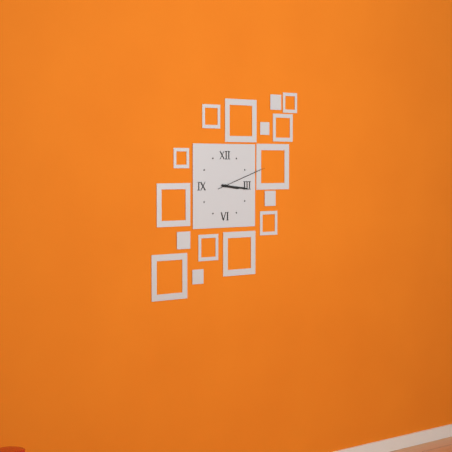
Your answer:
{"hour": 3, "minute": 16, "second": 12}
